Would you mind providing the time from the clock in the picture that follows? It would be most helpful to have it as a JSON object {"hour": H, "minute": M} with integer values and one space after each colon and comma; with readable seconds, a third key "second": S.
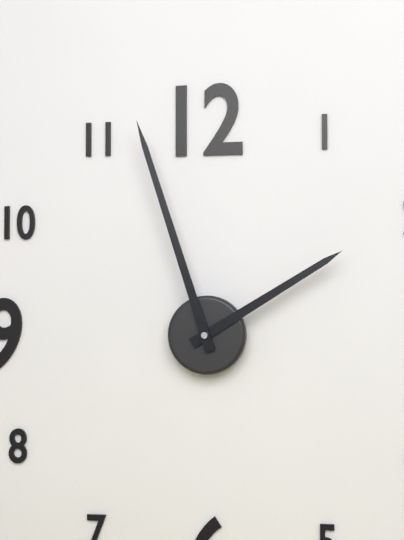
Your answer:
{"hour": 1, "minute": 57}
